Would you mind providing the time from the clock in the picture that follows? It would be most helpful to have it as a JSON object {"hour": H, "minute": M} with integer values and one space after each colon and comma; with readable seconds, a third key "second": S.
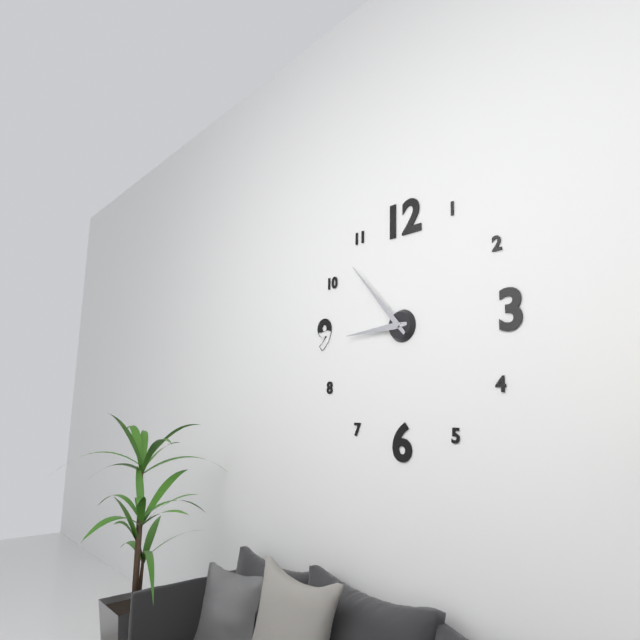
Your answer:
{"hour": 8, "minute": 53}
